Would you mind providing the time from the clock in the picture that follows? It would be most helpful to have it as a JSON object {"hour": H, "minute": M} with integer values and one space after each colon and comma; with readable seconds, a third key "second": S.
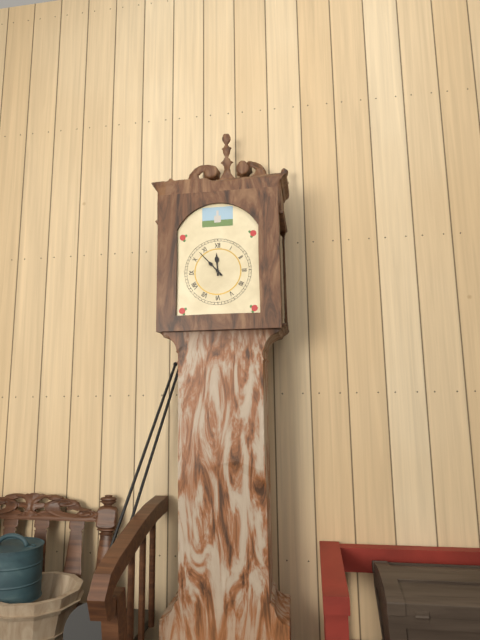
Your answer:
{"hour": 11, "minute": 53}
